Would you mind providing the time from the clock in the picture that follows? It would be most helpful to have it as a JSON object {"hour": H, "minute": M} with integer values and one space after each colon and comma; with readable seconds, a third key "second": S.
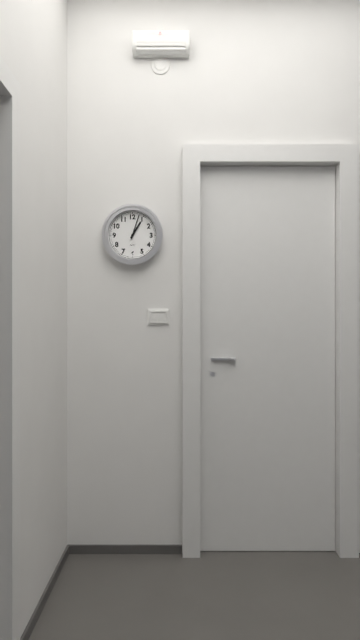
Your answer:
{"hour": 1, "minute": 3}
